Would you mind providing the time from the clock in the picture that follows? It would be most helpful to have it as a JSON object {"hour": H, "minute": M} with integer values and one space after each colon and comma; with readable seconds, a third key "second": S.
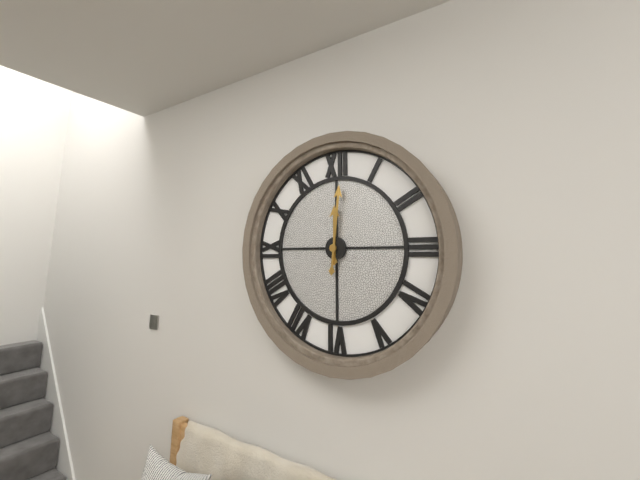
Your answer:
{"hour": 12, "minute": 1}
